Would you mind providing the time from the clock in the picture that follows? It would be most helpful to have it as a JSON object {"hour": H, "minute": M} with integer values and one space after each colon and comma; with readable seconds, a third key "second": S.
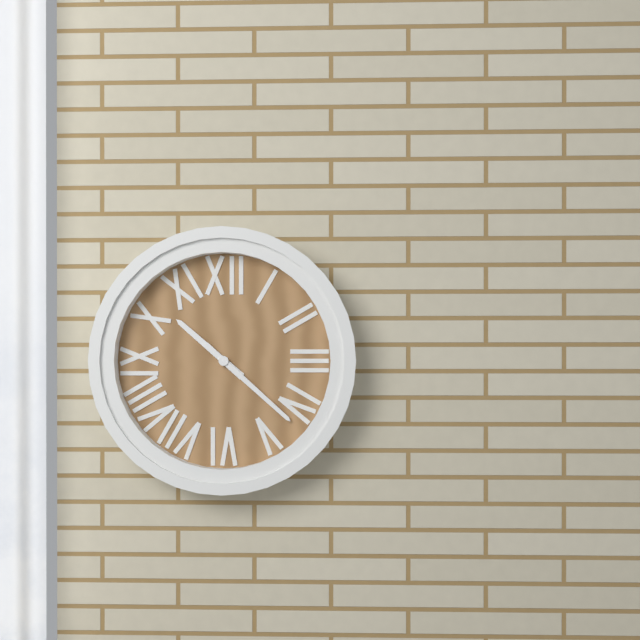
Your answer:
{"hour": 10, "minute": 22}
